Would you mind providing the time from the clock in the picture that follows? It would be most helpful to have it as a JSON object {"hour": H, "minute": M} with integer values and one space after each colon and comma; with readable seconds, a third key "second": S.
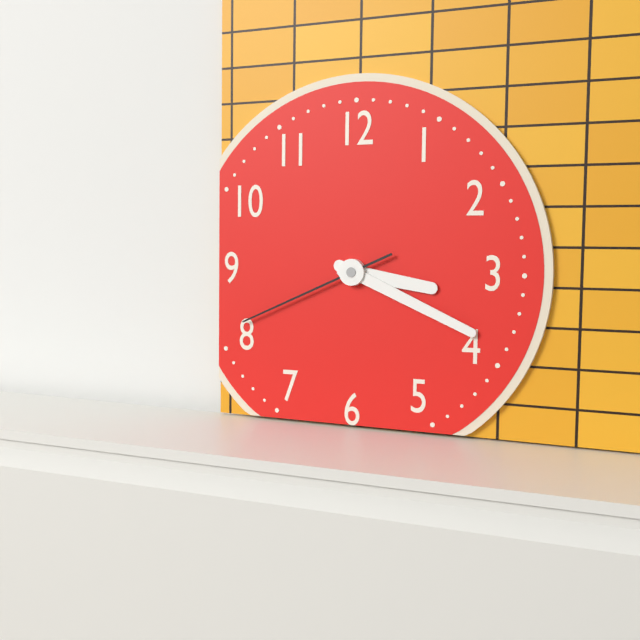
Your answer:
{"hour": 3, "minute": 19, "second": 41}
